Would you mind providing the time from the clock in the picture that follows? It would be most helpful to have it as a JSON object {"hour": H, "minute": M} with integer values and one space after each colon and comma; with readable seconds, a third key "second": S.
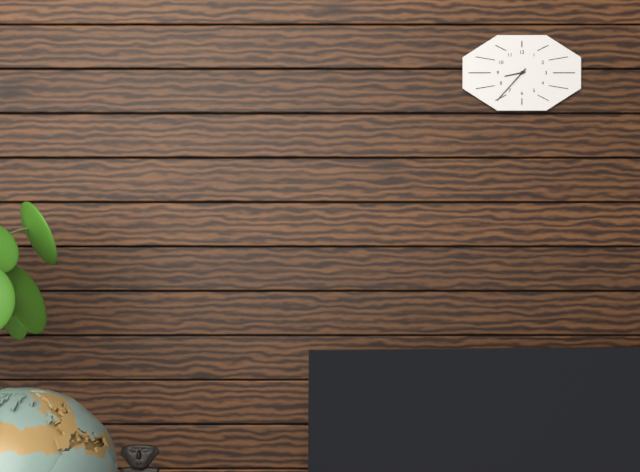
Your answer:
{"hour": 8, "minute": 37}
